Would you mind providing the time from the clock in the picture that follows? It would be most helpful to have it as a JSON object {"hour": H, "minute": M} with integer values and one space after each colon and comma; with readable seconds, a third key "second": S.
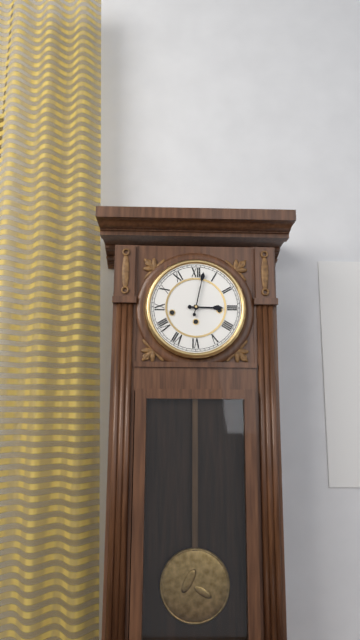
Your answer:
{"hour": 3, "minute": 2}
